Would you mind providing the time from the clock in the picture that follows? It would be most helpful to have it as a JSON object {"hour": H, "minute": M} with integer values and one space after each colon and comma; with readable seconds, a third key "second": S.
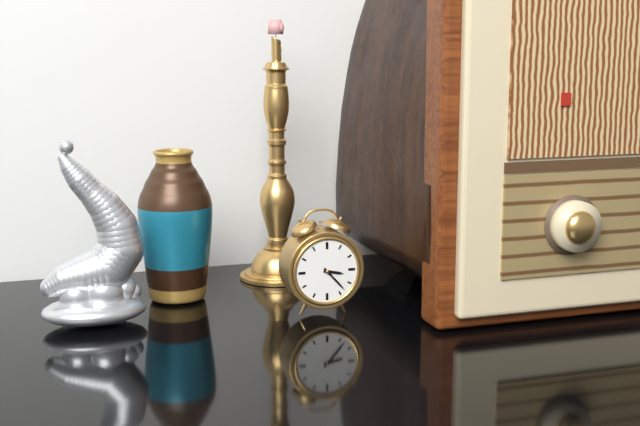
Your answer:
{"hour": 3, "minute": 23}
